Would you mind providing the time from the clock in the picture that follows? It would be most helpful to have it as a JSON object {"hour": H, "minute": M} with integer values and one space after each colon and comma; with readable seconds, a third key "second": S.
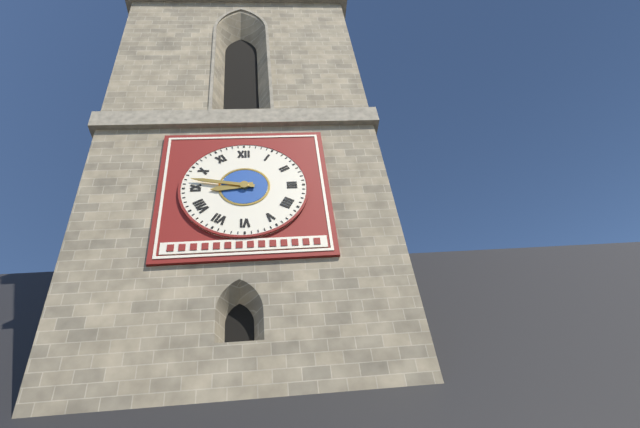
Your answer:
{"hour": 8, "minute": 47}
